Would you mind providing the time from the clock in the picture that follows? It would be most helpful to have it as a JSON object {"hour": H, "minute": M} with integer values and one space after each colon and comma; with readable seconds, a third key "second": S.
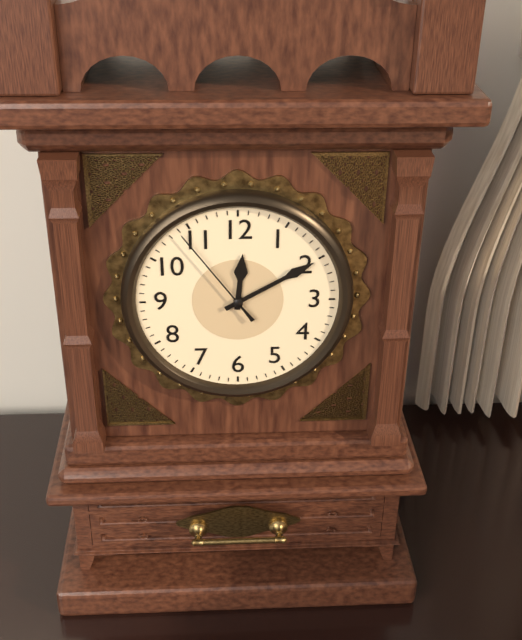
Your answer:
{"hour": 12, "minute": 10, "second": 54}
